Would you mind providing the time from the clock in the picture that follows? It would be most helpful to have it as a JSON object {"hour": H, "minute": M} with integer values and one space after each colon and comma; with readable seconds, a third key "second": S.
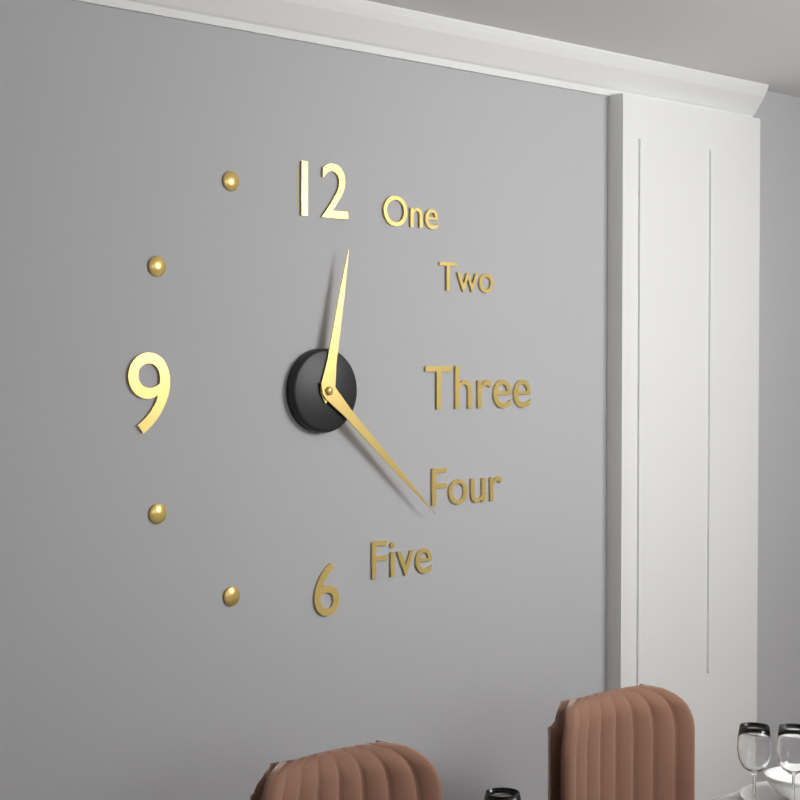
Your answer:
{"hour": 12, "minute": 22}
